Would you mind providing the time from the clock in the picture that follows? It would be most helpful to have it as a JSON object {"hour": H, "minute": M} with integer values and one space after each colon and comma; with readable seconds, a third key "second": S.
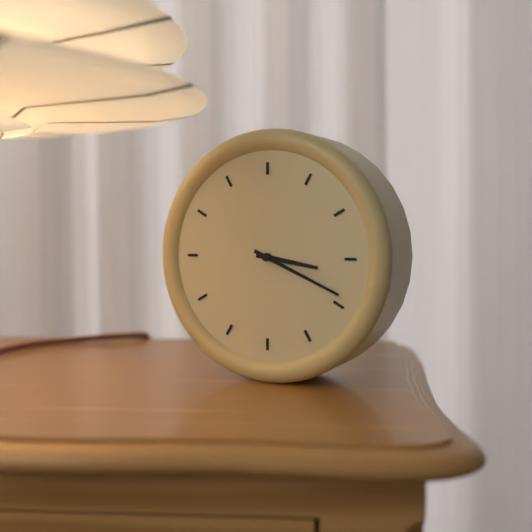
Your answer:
{"hour": 3, "minute": 19}
